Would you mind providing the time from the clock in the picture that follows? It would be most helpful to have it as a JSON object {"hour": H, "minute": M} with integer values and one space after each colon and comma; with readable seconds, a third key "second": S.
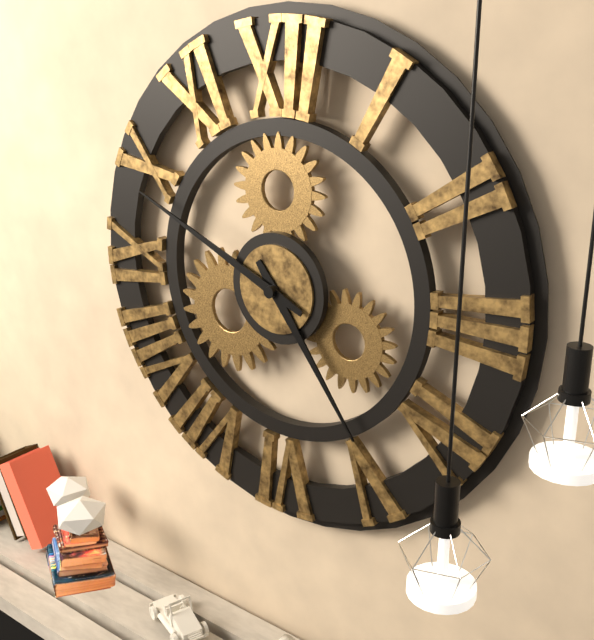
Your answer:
{"hour": 4, "minute": 49}
